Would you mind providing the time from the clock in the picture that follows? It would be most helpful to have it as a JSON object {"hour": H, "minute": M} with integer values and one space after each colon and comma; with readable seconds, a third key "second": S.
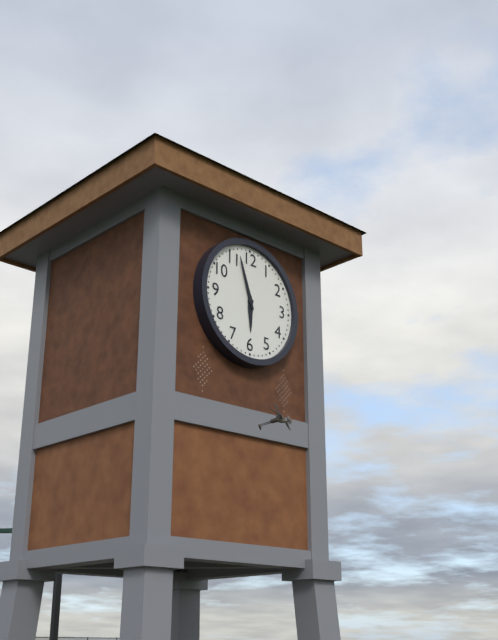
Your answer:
{"hour": 5, "minute": 57}
